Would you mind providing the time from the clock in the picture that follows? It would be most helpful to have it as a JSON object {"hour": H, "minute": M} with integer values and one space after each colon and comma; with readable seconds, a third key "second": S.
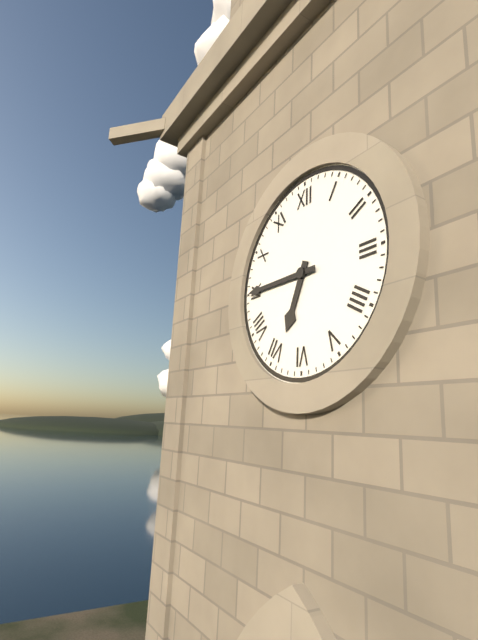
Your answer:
{"hour": 6, "minute": 45}
